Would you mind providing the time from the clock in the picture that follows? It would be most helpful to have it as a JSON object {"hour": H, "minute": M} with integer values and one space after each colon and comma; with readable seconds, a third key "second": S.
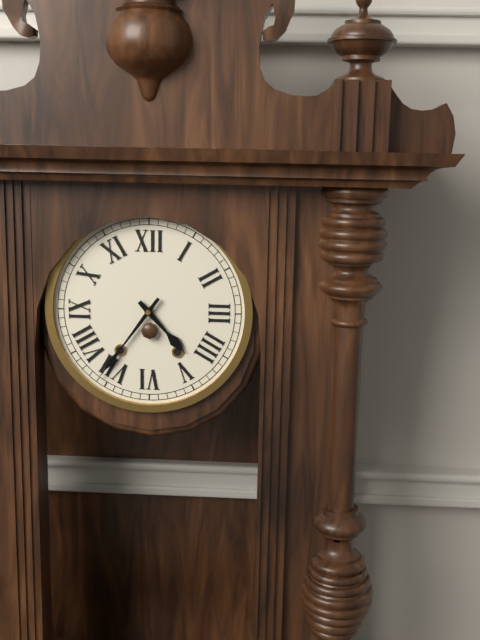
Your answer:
{"hour": 4, "minute": 36}
